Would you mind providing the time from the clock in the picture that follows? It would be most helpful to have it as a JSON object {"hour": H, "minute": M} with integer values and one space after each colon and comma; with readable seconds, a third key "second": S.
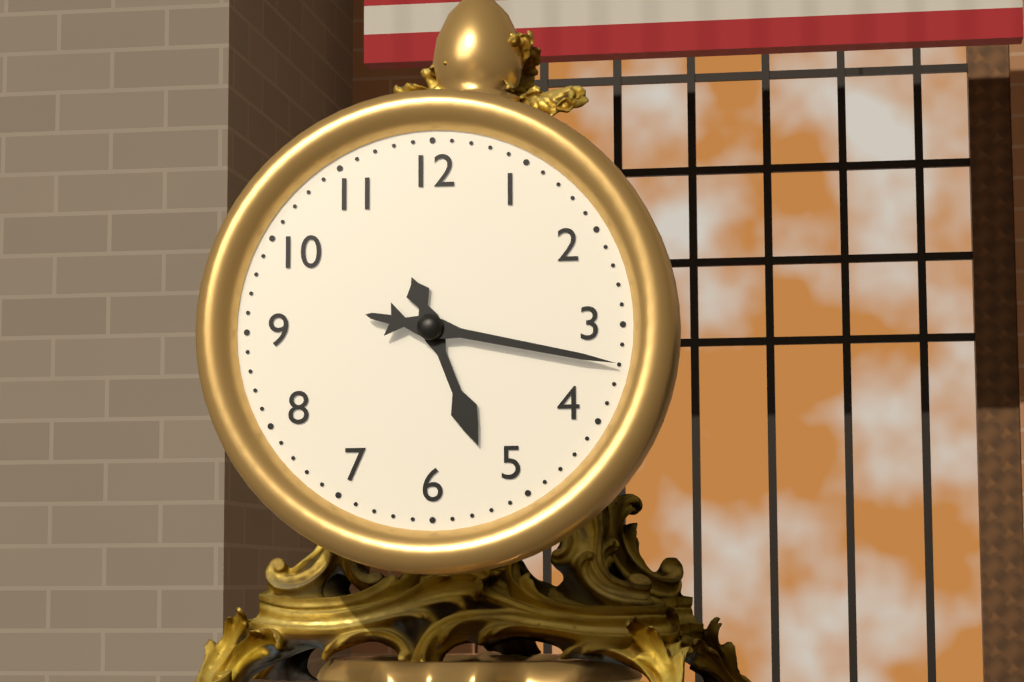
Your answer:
{"hour": 5, "minute": 17}
